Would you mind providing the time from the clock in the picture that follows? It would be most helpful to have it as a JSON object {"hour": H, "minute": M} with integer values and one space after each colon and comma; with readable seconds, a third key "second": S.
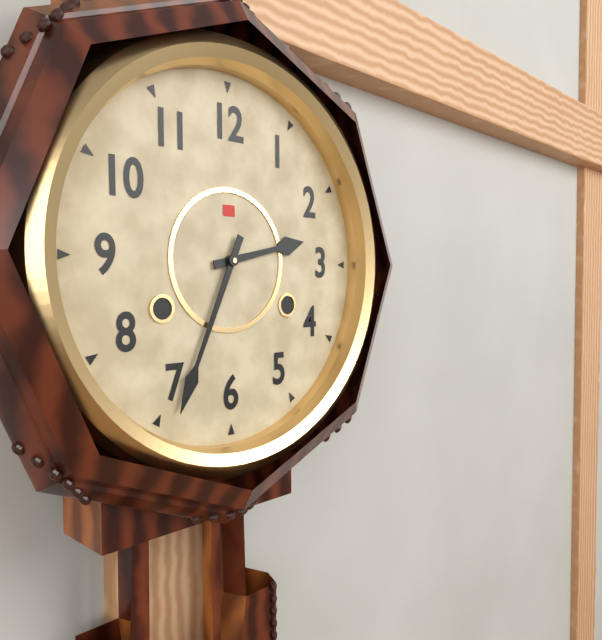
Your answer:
{"hour": 2, "minute": 34}
